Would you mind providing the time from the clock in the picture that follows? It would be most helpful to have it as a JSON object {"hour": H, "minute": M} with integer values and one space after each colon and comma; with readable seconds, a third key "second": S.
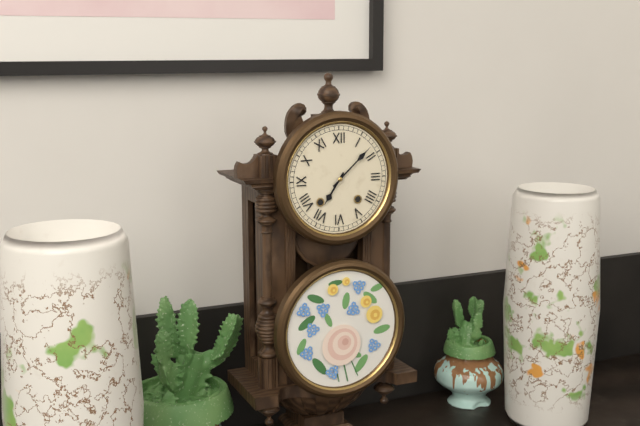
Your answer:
{"hour": 7, "minute": 8}
